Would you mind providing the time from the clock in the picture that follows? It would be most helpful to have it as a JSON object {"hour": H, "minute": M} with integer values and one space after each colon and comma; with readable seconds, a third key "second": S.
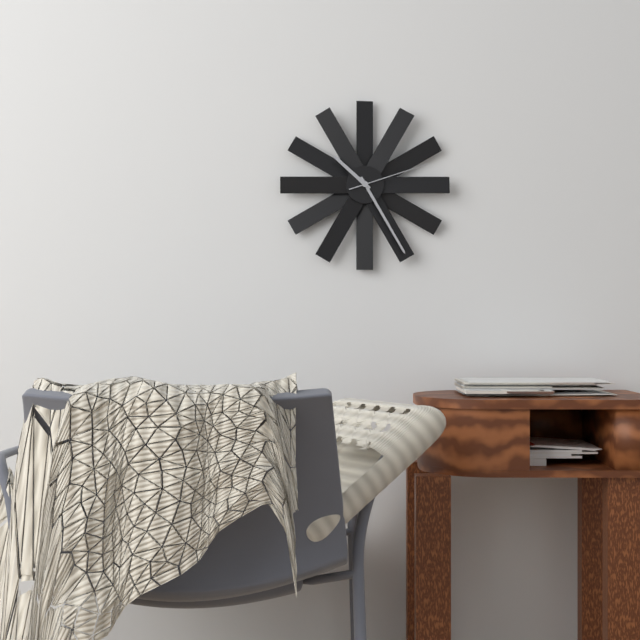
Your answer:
{"hour": 10, "minute": 25, "second": 12}
